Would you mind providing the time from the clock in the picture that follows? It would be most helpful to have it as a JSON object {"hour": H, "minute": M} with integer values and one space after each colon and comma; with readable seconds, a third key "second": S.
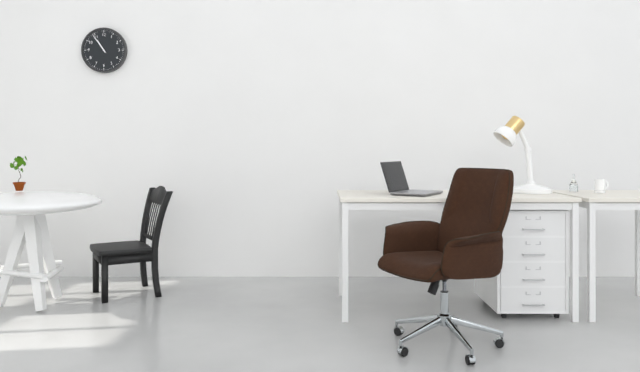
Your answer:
{"hour": 10, "minute": 54}
